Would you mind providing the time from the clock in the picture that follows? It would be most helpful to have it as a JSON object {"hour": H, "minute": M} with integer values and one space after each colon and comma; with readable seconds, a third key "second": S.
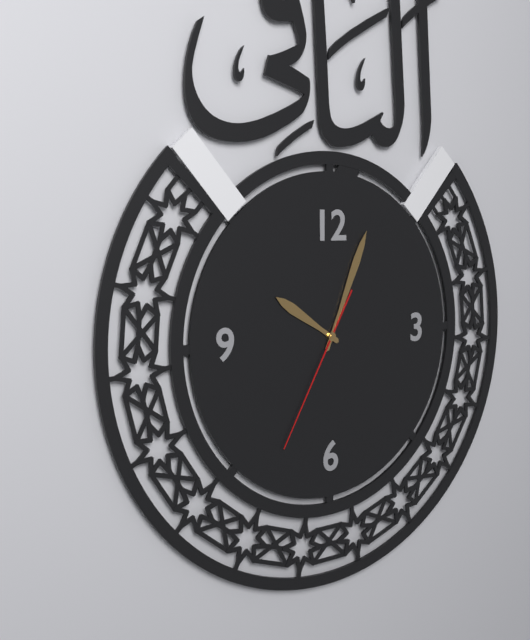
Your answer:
{"hour": 10, "minute": 4, "second": 35}
